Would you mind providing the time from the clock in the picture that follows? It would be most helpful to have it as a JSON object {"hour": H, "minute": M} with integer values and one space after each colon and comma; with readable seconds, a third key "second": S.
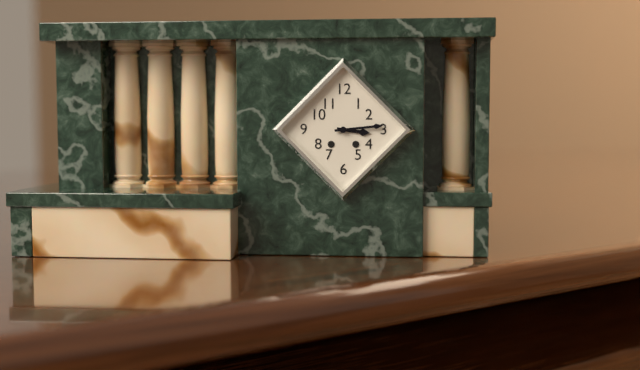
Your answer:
{"hour": 3, "minute": 14}
